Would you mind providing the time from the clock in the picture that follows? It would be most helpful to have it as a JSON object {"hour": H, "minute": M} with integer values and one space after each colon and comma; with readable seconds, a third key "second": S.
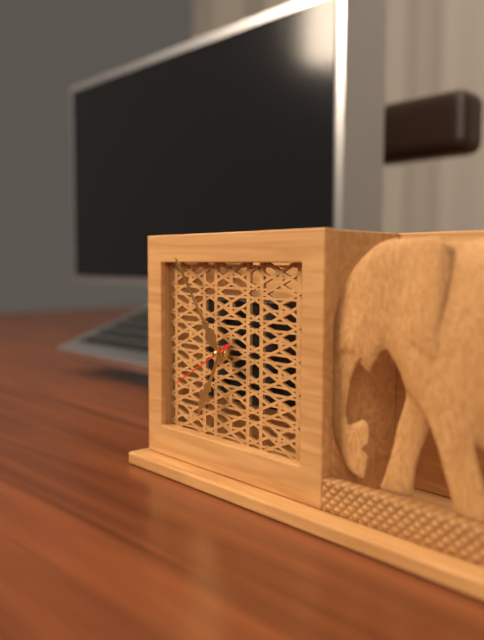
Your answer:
{"hour": 6, "minute": 54, "second": 40}
